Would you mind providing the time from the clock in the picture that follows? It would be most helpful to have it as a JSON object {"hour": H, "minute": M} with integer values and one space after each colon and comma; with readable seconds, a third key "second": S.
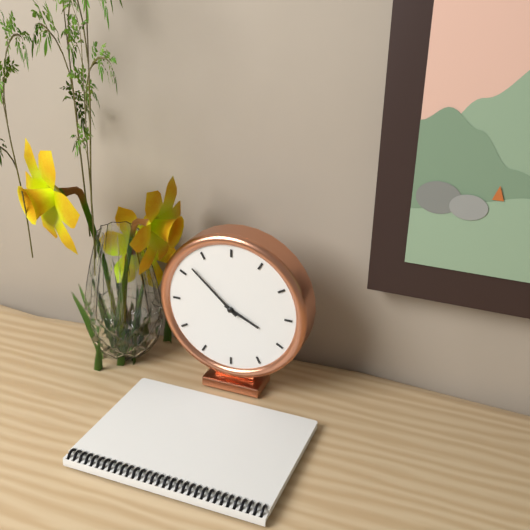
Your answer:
{"hour": 3, "minute": 52}
